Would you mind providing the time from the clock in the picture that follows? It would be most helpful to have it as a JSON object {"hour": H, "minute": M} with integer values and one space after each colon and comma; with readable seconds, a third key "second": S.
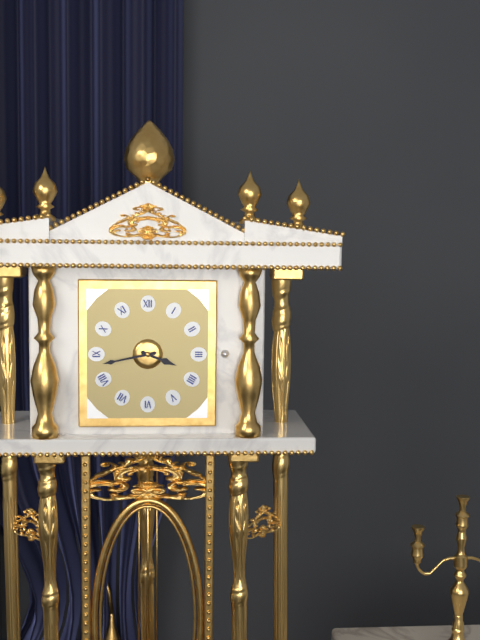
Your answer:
{"hour": 3, "minute": 43}
